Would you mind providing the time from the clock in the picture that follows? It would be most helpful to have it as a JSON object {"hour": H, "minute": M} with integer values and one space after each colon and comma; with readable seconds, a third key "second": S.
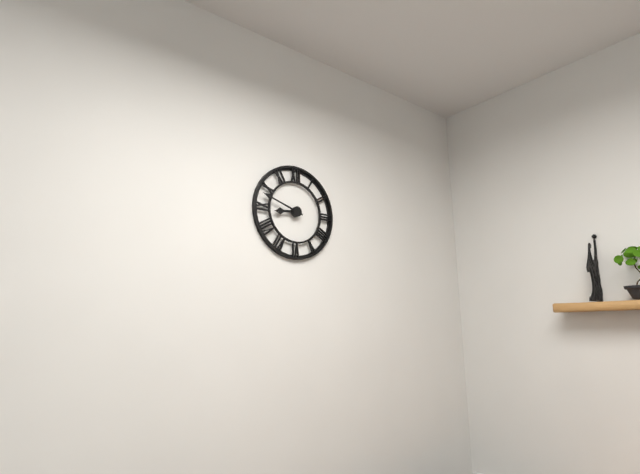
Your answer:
{"hour": 8, "minute": 48}
